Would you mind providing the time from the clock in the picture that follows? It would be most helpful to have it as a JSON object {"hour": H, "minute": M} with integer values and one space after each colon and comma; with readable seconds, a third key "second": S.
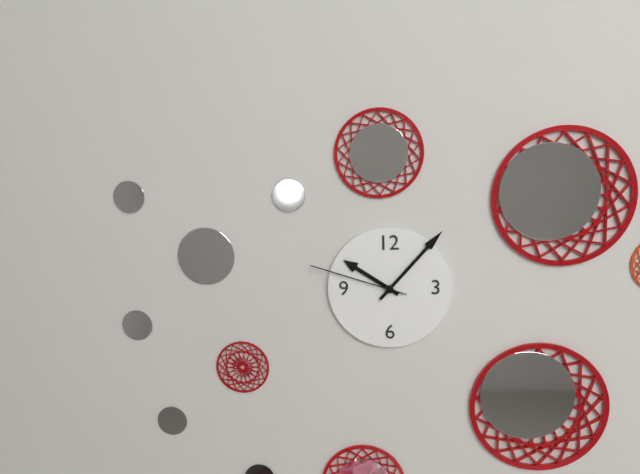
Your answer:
{"hour": 10, "minute": 7, "second": 48}
